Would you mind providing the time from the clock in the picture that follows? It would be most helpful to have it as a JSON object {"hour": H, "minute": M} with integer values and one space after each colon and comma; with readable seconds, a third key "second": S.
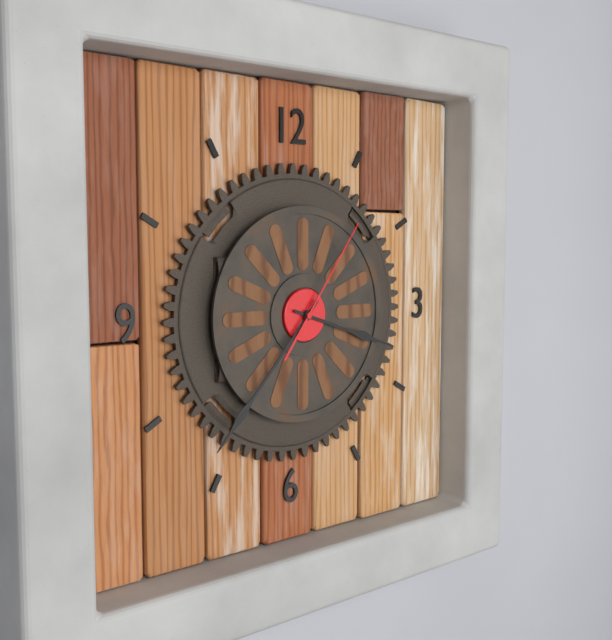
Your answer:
{"hour": 3, "minute": 37, "second": 6}
